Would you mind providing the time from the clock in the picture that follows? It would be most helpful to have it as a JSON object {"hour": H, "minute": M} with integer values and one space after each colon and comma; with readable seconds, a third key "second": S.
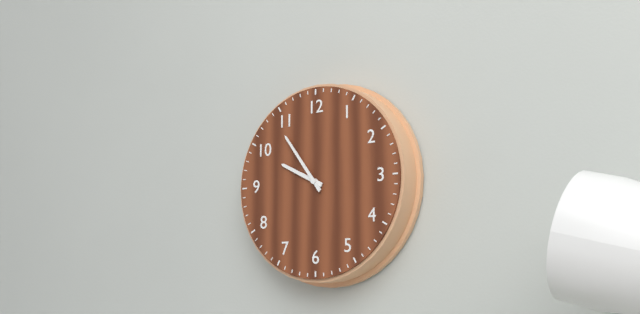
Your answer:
{"hour": 9, "minute": 54}
